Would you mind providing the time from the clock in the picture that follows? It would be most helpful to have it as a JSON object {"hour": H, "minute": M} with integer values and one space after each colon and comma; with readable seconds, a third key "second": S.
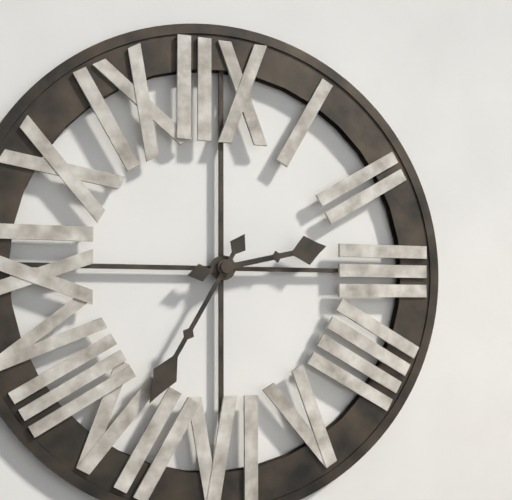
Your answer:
{"hour": 2, "minute": 35}
